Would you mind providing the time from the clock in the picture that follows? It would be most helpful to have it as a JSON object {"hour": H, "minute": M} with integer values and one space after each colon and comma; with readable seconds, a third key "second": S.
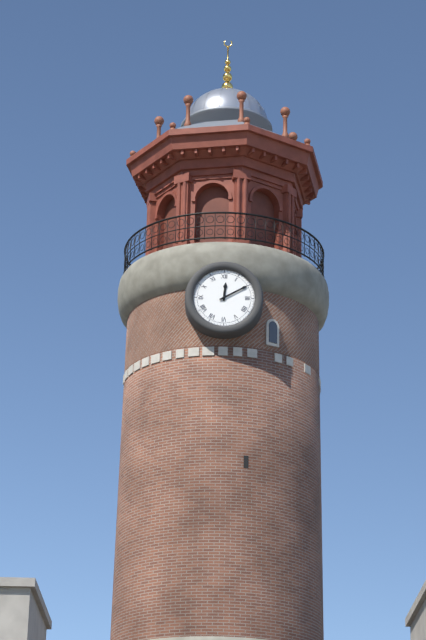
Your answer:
{"hour": 12, "minute": 10}
